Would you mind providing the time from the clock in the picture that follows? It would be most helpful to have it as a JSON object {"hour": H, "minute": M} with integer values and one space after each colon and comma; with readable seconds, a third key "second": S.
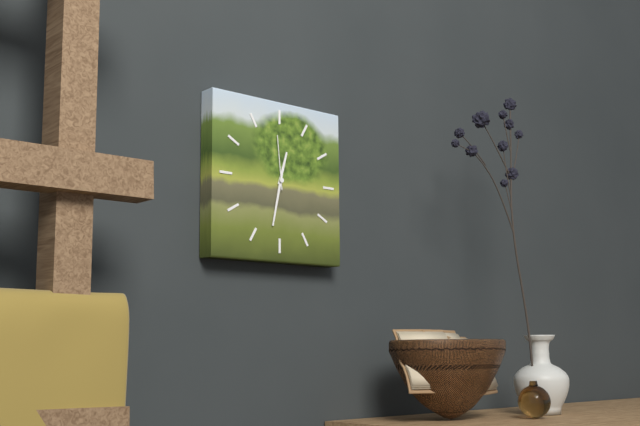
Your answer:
{"hour": 12, "minute": 32, "second": 59}
